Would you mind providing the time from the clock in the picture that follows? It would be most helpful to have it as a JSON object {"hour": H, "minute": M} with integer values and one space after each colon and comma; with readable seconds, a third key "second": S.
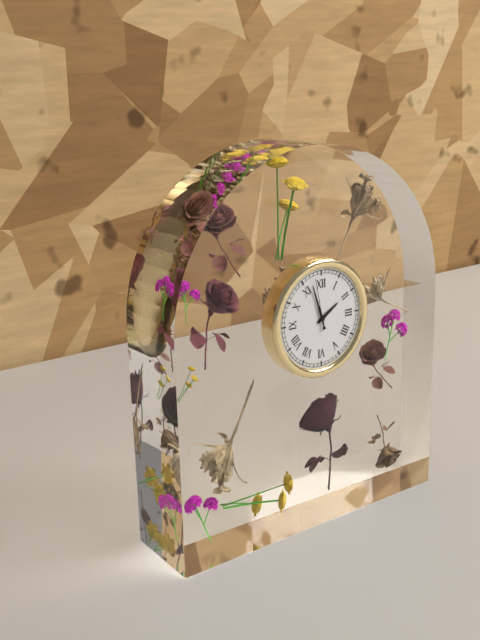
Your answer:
{"hour": 1, "minute": 57, "second": 58}
